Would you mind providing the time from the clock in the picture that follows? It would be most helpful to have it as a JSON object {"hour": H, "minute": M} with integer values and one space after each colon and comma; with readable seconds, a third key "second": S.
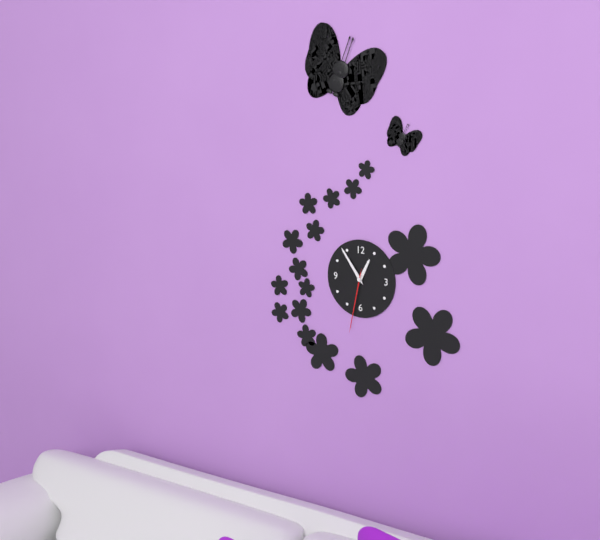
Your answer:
{"hour": 12, "minute": 54, "second": 32}
